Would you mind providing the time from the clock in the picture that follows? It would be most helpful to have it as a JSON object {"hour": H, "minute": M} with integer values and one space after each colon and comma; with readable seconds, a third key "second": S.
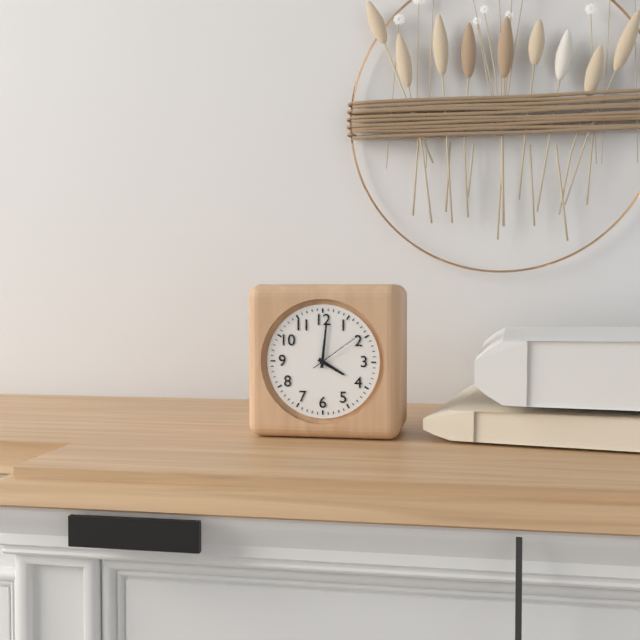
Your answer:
{"hour": 4, "minute": 1, "second": 9}
